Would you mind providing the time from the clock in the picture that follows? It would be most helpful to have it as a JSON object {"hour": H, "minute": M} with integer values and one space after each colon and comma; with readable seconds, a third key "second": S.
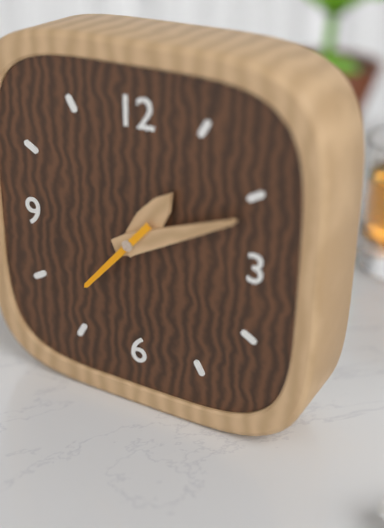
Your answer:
{"hour": 1, "minute": 11, "second": 37}
